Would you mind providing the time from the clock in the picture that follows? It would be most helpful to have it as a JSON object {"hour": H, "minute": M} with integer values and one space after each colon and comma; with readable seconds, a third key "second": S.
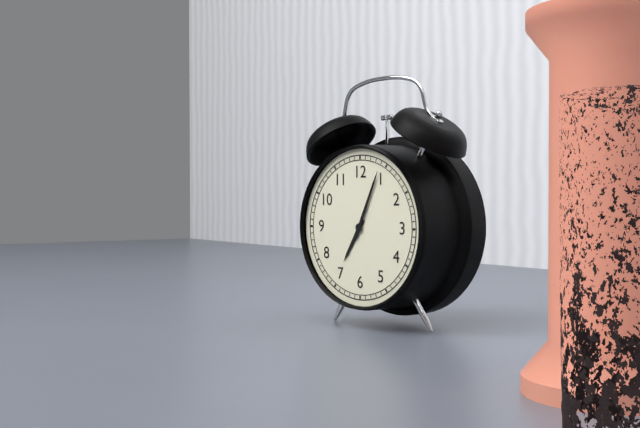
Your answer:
{"hour": 7, "minute": 4}
